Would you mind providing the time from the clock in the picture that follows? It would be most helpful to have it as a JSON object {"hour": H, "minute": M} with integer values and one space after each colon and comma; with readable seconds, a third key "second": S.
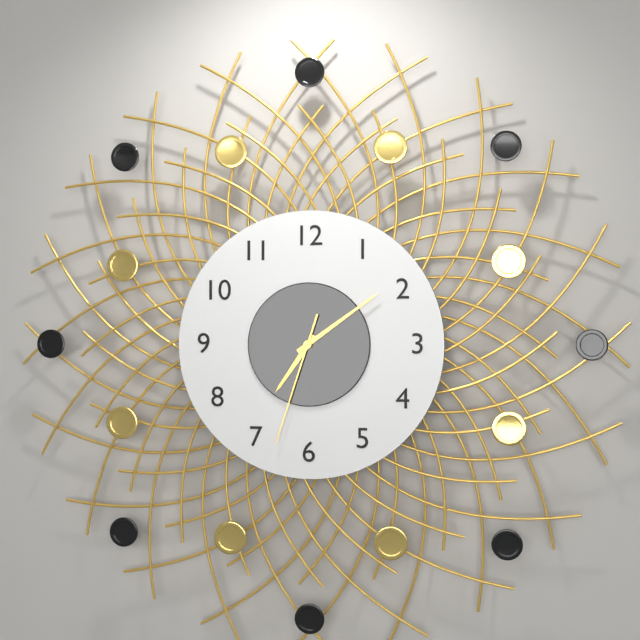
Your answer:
{"hour": 7, "minute": 9, "second": 33}
